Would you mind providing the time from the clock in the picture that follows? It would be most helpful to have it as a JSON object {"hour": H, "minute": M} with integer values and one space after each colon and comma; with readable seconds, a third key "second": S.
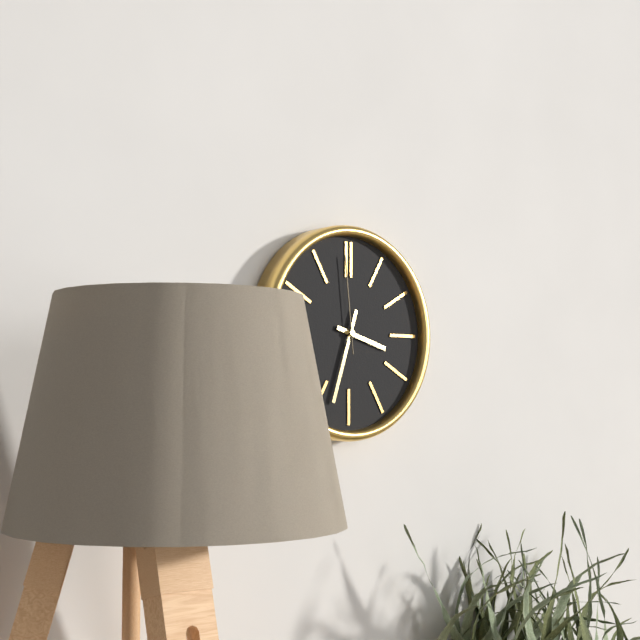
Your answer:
{"hour": 3, "minute": 33, "second": 59}
